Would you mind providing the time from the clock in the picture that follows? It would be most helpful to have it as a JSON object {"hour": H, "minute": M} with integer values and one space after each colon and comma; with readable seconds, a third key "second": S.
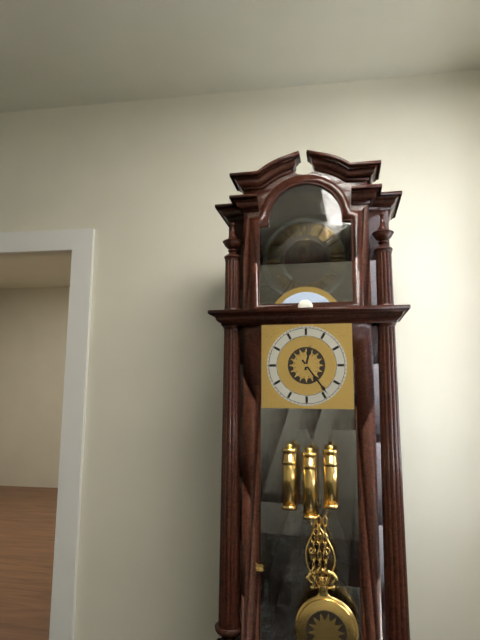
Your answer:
{"hour": 12, "minute": 24}
